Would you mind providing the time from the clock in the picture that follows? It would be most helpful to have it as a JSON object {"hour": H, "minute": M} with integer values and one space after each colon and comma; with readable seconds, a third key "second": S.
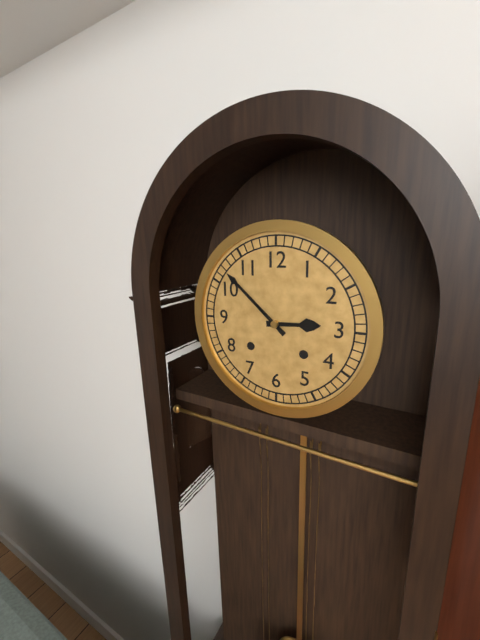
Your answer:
{"hour": 2, "minute": 52}
